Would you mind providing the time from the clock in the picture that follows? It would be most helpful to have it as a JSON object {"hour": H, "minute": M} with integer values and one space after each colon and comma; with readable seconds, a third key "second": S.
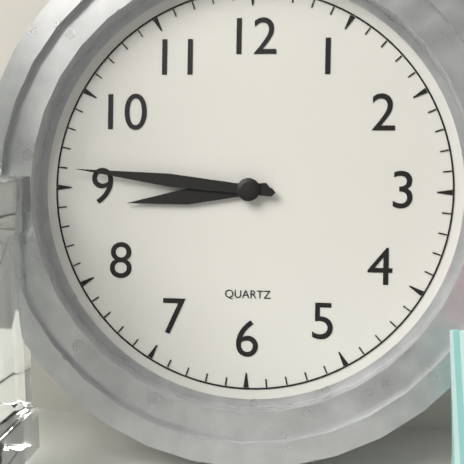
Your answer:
{"hour": 8, "minute": 46}
